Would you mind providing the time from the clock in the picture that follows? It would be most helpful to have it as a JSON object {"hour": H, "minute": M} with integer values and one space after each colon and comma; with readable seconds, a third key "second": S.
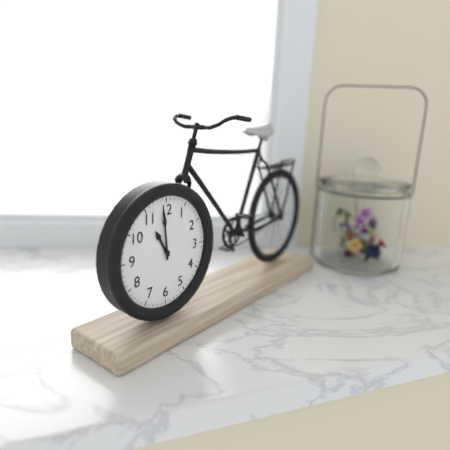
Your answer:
{"hour": 10, "minute": 59}
